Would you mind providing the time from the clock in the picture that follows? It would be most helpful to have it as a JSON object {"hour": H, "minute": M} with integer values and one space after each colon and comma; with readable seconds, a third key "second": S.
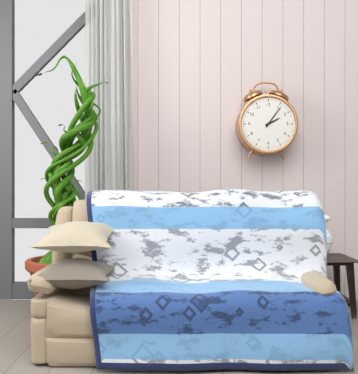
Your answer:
{"hour": 2, "minute": 6}
